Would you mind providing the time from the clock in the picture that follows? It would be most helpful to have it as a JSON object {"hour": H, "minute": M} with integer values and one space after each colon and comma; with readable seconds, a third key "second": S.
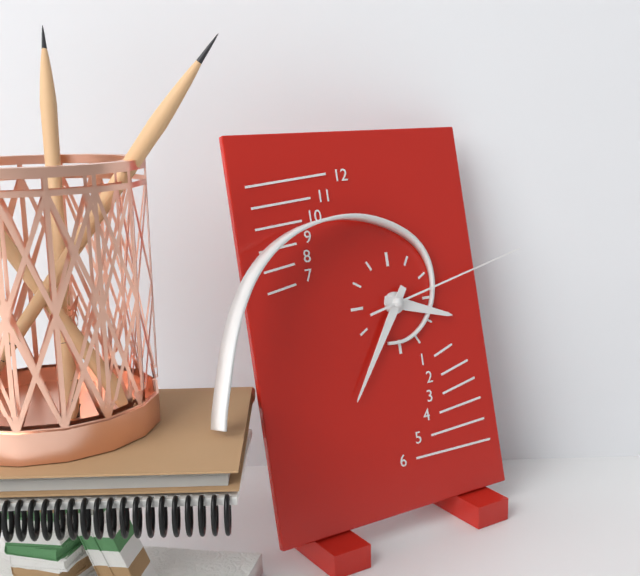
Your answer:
{"hour": 3, "minute": 36, "second": 13}
